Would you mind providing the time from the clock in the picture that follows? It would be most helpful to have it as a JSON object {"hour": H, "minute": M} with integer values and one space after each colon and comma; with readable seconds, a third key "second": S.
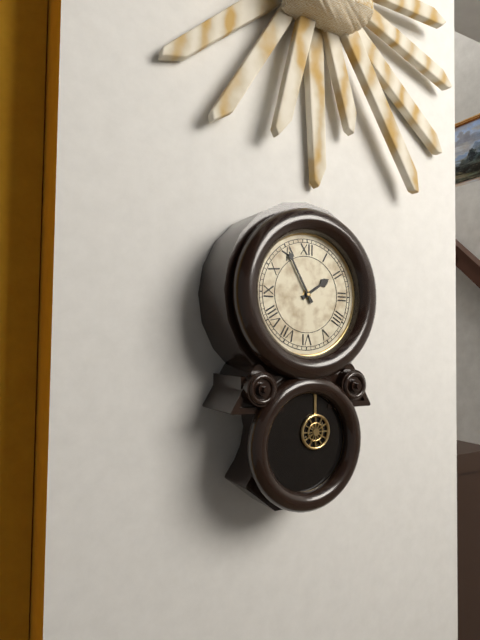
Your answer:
{"hour": 1, "minute": 55}
